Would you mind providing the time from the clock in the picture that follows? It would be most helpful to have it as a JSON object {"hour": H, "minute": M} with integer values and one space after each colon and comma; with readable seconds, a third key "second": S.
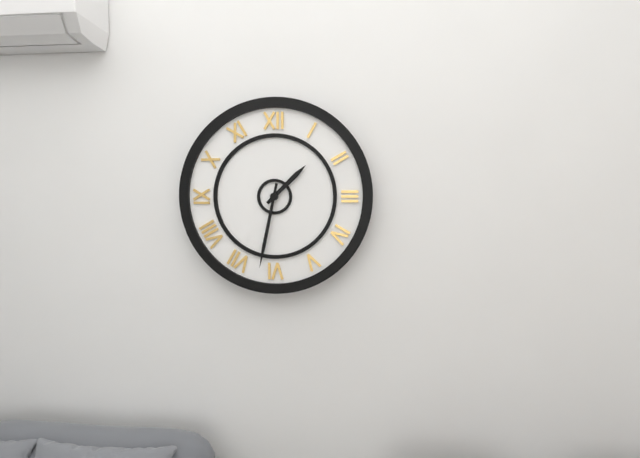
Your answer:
{"hour": 1, "minute": 32}
